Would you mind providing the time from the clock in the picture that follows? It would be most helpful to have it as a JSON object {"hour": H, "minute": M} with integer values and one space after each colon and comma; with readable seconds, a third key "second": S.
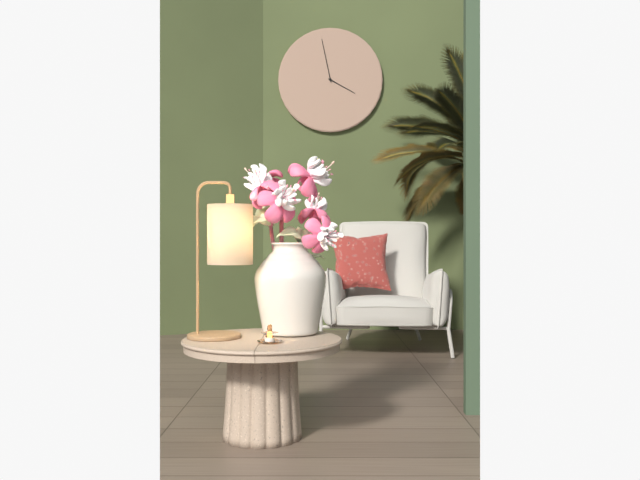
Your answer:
{"hour": 3, "minute": 58}
